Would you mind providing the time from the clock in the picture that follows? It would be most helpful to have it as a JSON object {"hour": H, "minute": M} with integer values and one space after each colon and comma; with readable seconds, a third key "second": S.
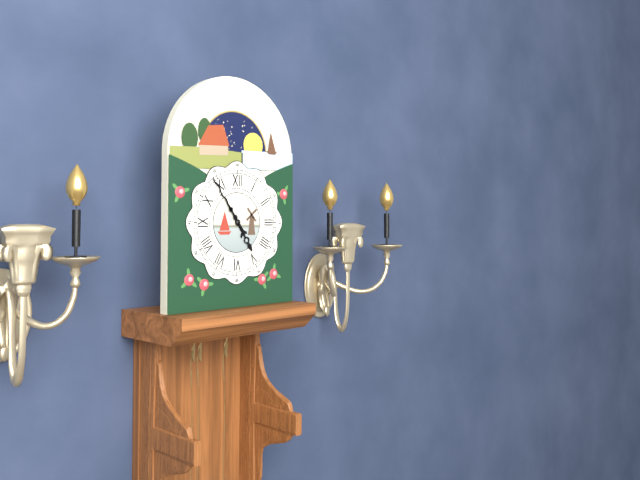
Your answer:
{"hour": 4, "minute": 54}
